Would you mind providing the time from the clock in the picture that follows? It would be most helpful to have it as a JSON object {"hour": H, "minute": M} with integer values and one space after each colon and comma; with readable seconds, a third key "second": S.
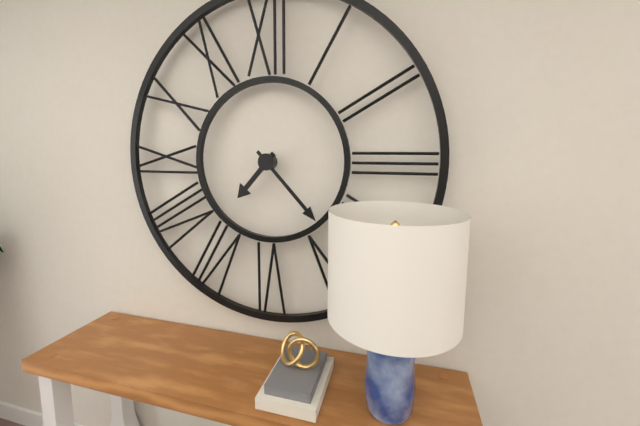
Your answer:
{"hour": 7, "minute": 23}
